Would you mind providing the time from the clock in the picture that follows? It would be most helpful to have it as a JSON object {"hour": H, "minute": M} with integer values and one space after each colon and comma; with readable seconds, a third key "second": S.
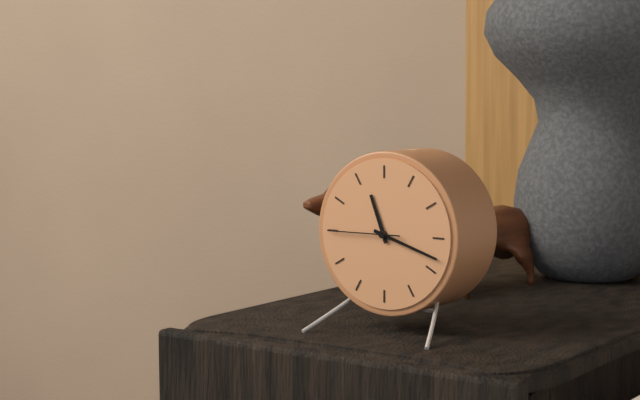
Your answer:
{"hour": 11, "minute": 18, "second": 45}
